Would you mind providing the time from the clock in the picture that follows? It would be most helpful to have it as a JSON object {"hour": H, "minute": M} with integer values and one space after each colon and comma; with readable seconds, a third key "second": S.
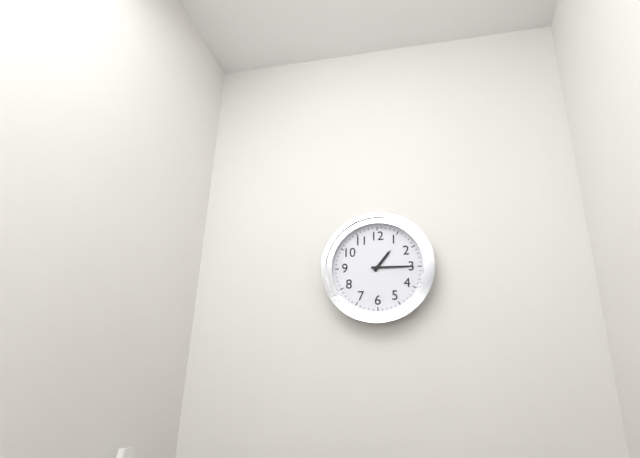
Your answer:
{"hour": 1, "minute": 15}
